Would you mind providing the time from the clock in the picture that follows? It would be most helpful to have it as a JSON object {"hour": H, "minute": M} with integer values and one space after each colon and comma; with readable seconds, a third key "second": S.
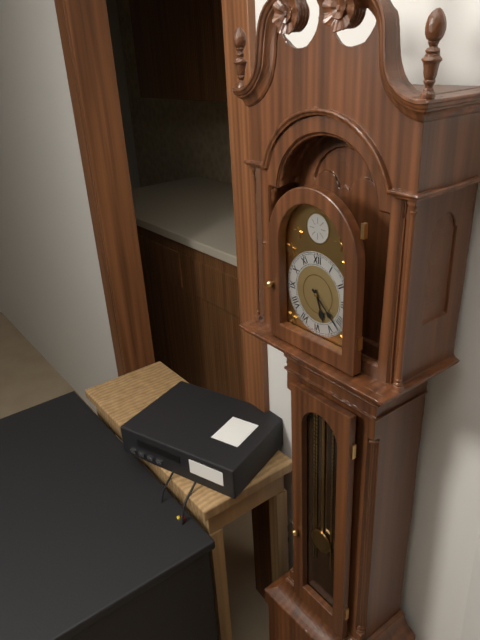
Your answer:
{"hour": 5, "minute": 22}
